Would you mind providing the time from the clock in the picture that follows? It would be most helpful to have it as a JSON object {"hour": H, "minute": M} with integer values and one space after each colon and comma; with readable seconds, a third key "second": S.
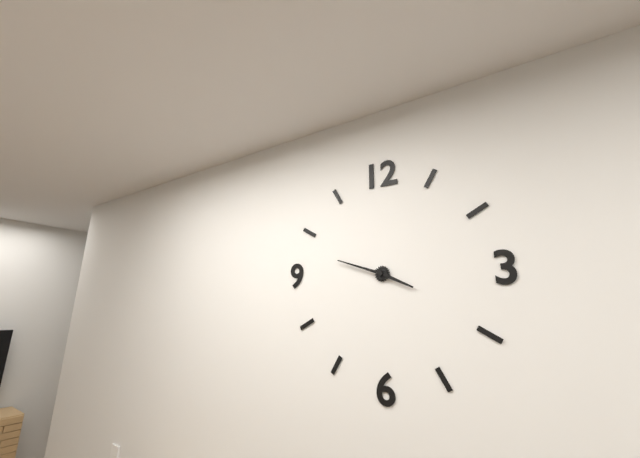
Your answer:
{"hour": 3, "minute": 48}
